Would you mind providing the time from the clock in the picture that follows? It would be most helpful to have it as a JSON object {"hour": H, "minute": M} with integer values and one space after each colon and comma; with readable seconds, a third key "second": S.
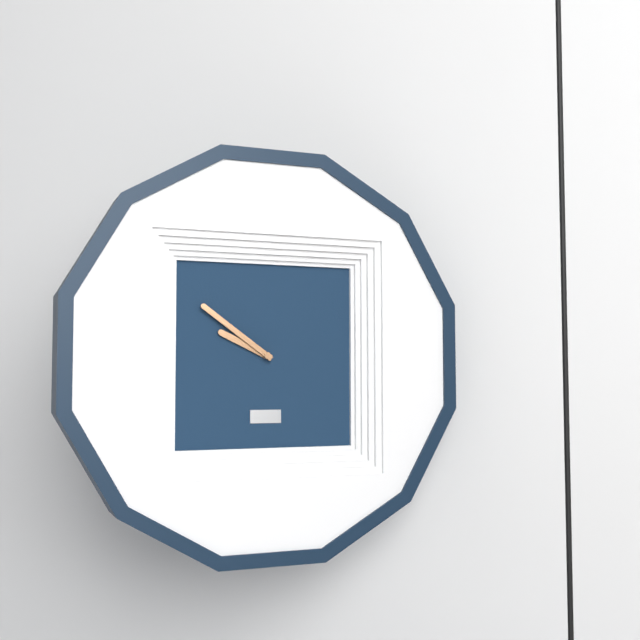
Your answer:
{"hour": 9, "minute": 51}
